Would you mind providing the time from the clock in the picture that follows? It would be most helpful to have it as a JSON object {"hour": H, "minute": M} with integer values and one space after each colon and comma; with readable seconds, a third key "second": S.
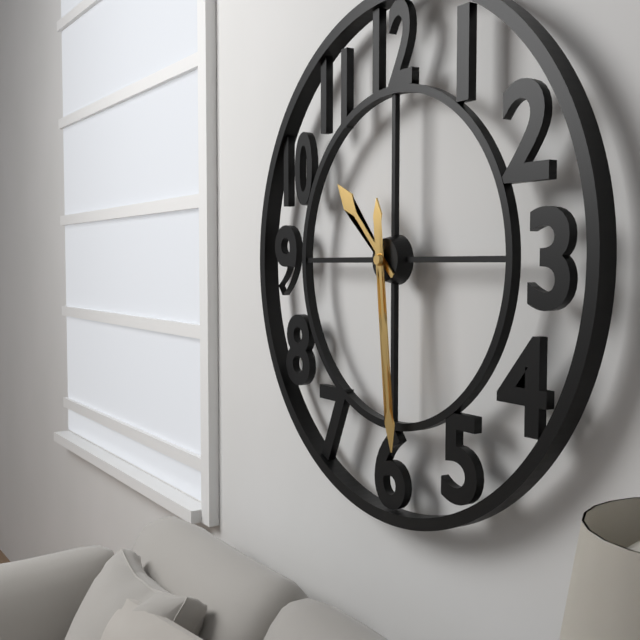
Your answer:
{"hour": 10, "minute": 29}
